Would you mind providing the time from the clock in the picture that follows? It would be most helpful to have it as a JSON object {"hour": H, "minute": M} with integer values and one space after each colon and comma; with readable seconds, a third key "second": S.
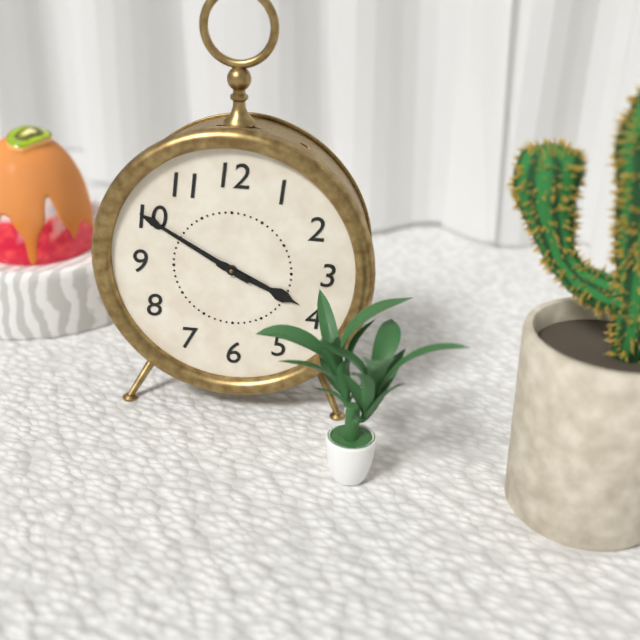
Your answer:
{"hour": 3, "minute": 50}
